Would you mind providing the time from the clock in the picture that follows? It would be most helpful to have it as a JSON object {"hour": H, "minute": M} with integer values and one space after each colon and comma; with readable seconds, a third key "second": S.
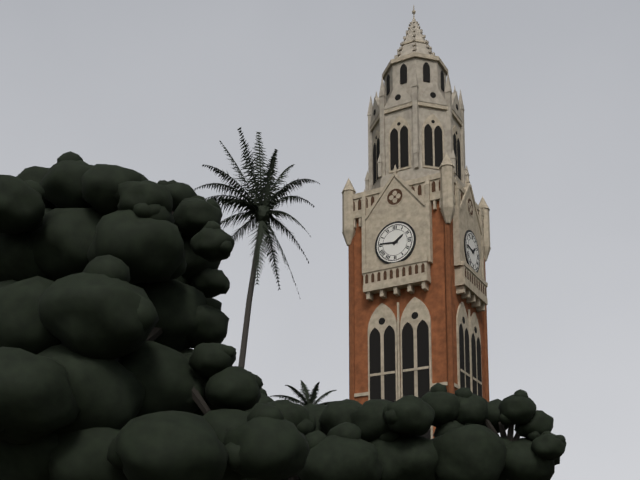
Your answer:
{"hour": 1, "minute": 46}
